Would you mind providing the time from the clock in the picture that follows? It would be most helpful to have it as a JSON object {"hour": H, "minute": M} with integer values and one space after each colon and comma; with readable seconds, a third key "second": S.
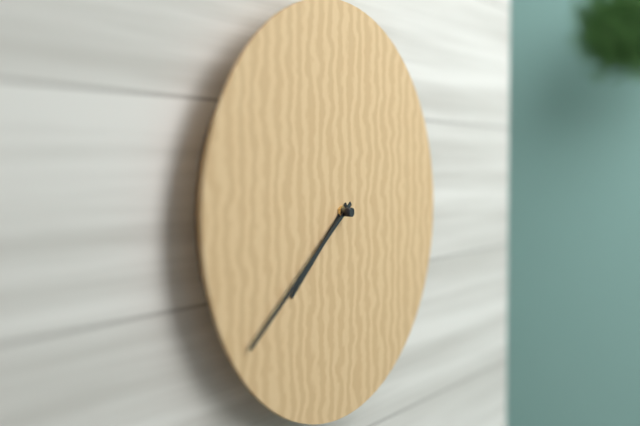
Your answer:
{"hour": 7, "minute": 39}
